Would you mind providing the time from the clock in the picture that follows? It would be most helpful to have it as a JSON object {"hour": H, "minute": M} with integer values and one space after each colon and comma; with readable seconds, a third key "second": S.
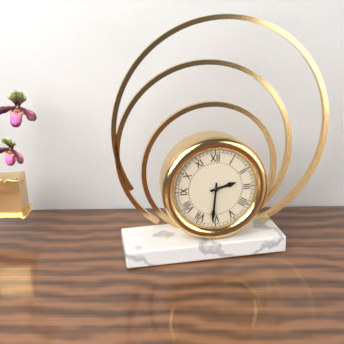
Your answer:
{"hour": 2, "minute": 31}
